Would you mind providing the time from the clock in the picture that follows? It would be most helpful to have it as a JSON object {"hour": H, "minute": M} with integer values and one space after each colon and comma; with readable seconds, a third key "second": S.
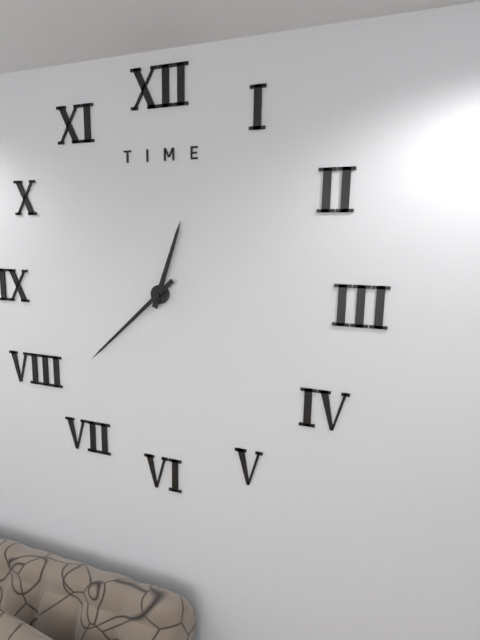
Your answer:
{"hour": 12, "minute": 38}
